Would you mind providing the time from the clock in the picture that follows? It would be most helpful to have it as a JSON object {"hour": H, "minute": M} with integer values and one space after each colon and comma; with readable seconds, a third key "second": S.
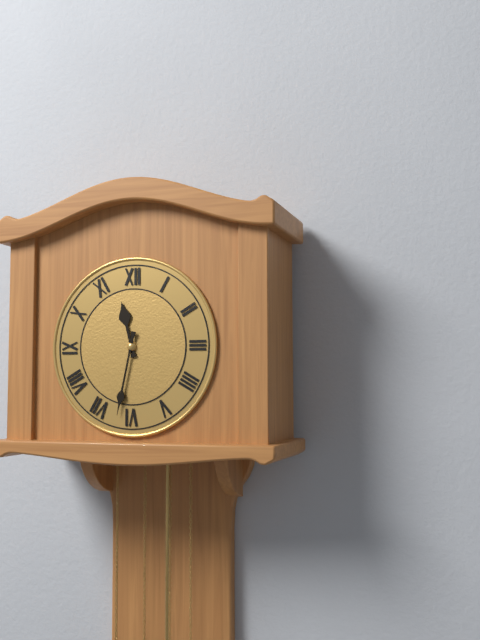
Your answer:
{"hour": 11, "minute": 32}
